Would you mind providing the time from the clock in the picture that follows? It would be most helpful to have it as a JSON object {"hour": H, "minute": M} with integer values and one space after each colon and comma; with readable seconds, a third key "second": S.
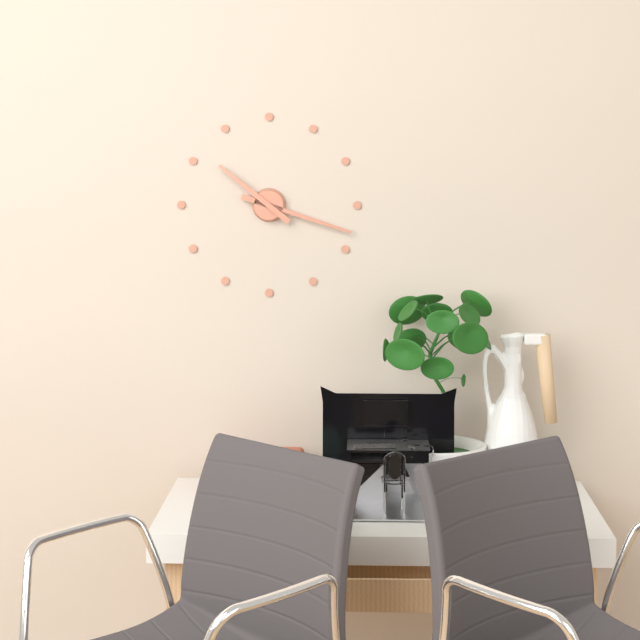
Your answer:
{"hour": 10, "minute": 18}
